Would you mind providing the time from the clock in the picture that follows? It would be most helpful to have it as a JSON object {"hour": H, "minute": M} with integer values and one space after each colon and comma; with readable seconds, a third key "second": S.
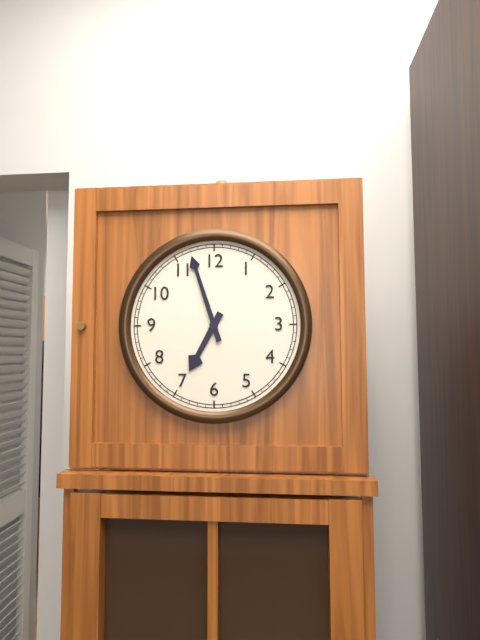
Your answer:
{"hour": 6, "minute": 57}
